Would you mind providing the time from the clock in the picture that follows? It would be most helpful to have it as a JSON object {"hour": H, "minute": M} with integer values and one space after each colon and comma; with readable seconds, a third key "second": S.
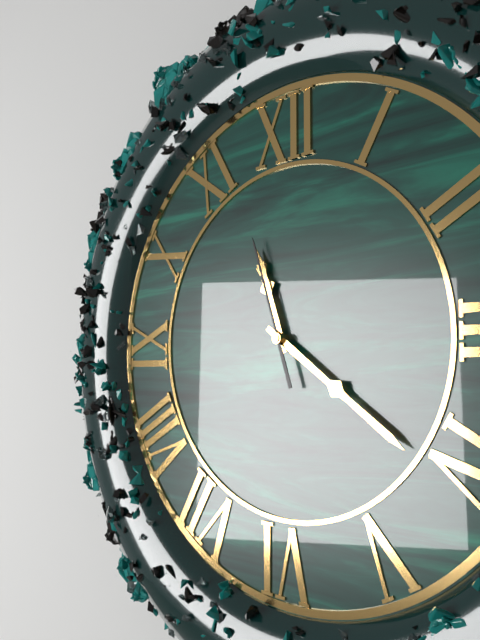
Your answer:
{"hour": 11, "minute": 21, "second": 57}
